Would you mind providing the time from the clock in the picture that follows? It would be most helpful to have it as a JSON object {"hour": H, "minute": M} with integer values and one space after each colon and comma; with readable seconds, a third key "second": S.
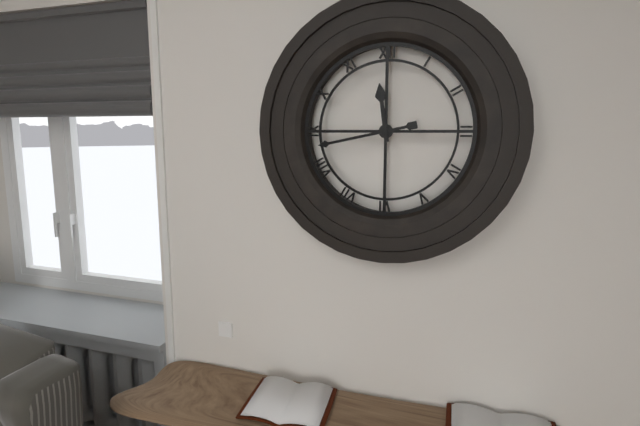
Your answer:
{"hour": 11, "minute": 43}
